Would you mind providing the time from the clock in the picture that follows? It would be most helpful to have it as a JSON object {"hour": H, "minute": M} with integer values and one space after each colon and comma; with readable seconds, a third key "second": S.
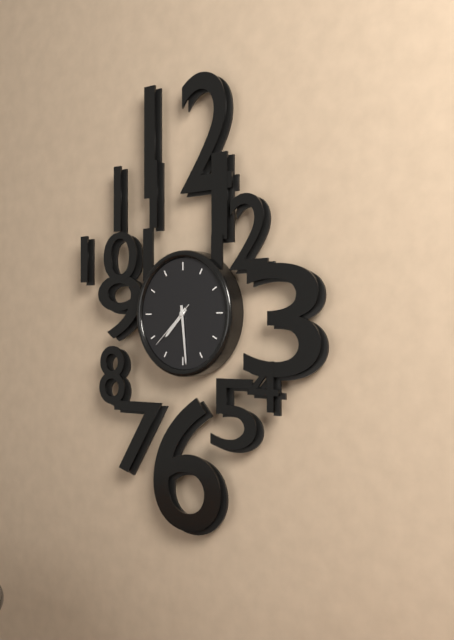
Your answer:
{"hour": 7, "minute": 29, "second": 38}
